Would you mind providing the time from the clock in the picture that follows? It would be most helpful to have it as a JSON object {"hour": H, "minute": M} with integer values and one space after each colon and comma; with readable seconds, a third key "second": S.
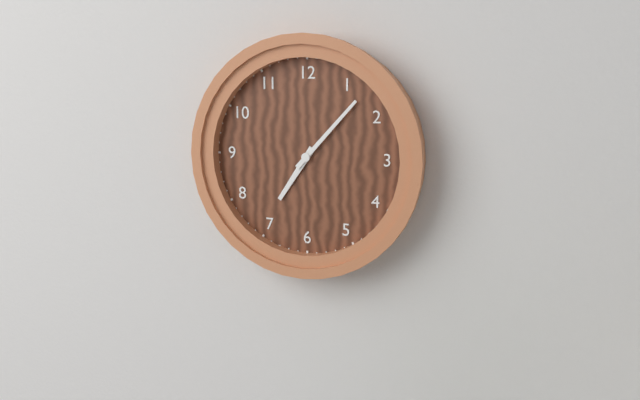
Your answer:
{"hour": 7, "minute": 7}
